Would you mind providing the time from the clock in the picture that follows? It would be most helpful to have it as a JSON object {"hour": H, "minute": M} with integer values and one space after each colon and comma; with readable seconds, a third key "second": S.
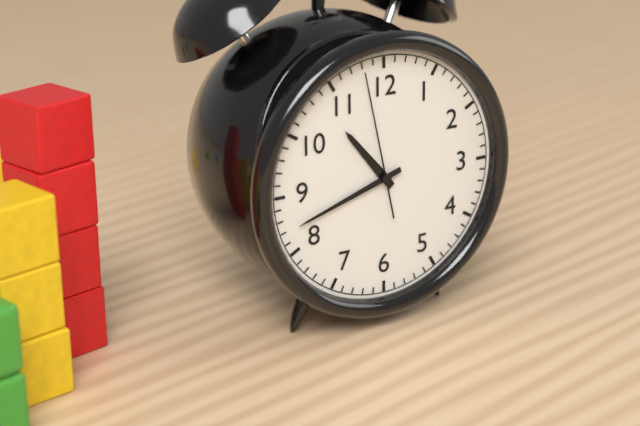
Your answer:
{"hour": 10, "minute": 42, "second": 58}
